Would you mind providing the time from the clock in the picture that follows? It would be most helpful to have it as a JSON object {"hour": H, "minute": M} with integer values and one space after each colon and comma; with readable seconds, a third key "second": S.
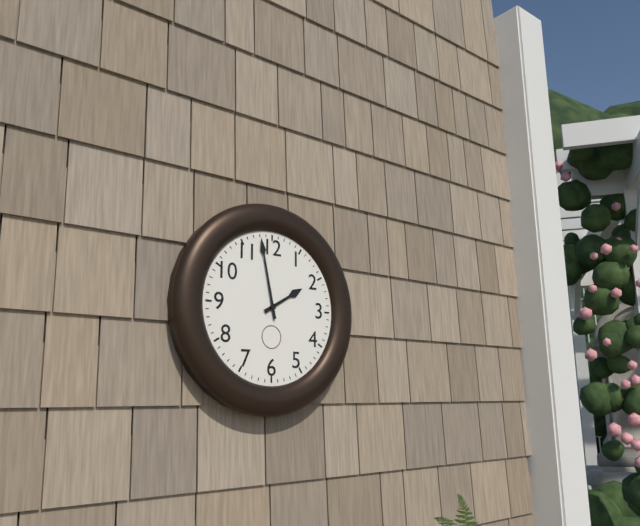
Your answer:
{"hour": 1, "minute": 58}
